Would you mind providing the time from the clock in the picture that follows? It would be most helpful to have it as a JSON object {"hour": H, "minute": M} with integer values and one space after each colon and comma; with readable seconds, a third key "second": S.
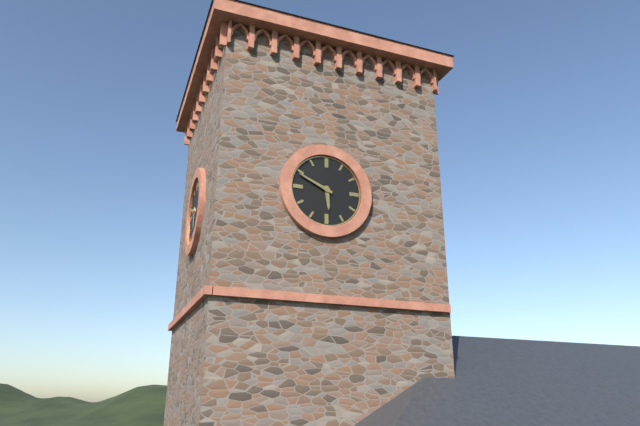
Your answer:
{"hour": 5, "minute": 49}
